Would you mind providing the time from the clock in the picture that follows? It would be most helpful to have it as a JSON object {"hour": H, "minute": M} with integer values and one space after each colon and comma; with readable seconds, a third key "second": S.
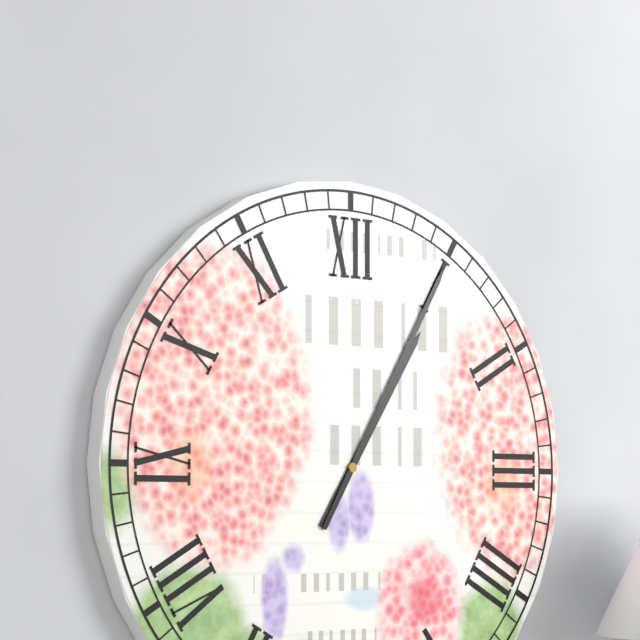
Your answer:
{"hour": 1, "minute": 5}
